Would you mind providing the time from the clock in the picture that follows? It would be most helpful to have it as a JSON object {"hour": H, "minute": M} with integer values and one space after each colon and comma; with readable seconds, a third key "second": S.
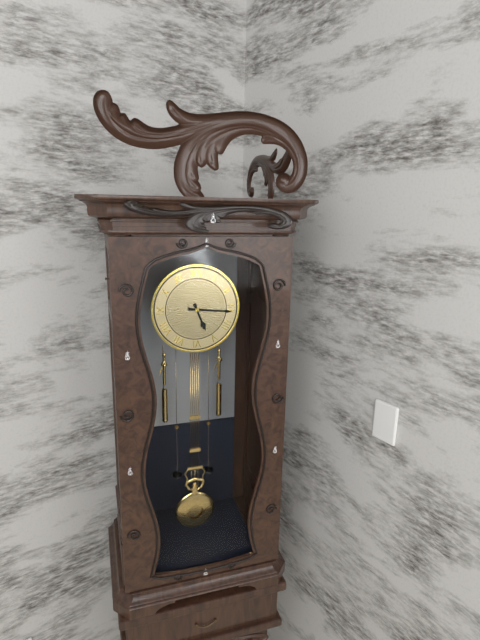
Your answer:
{"hour": 5, "minute": 16}
